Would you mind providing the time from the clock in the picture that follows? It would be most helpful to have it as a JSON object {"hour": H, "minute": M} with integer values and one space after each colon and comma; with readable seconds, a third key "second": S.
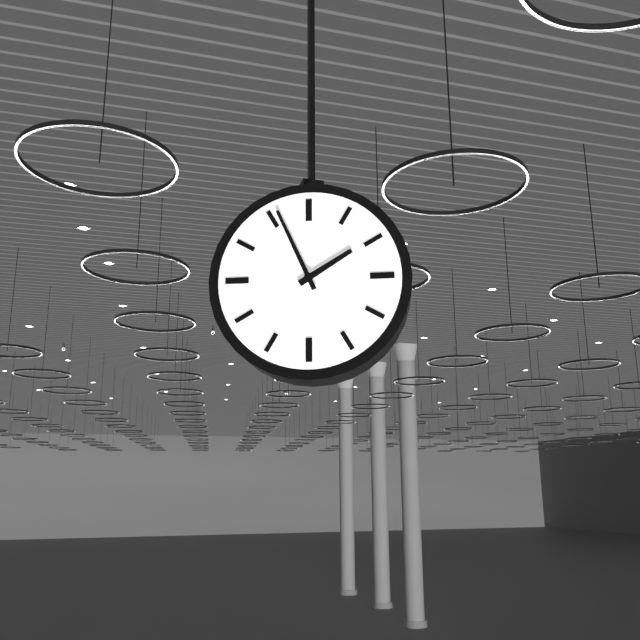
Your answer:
{"hour": 1, "minute": 56}
